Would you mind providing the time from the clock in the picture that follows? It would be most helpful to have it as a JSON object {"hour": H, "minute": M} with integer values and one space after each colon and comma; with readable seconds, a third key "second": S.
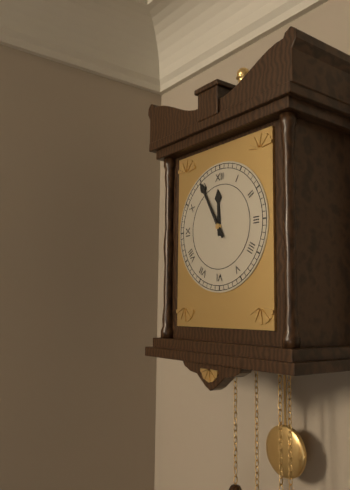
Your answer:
{"hour": 11, "minute": 55}
